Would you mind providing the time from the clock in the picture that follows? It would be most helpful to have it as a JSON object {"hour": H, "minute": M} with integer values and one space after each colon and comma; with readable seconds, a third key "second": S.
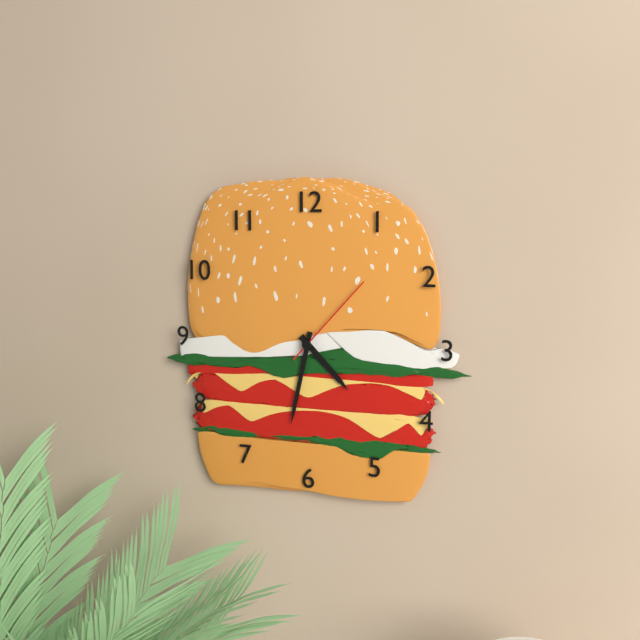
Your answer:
{"hour": 4, "minute": 32, "second": 7}
